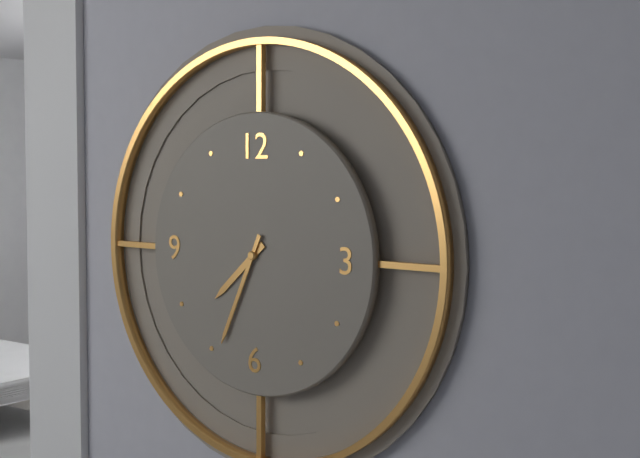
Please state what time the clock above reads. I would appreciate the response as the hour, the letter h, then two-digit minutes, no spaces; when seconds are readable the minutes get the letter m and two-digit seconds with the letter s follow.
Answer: 7h34
